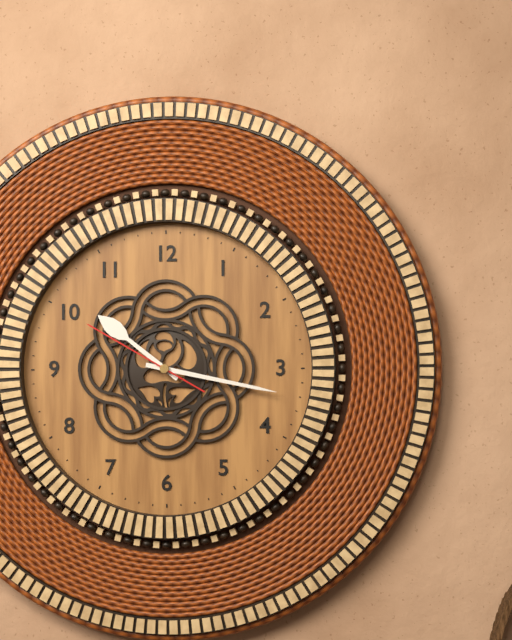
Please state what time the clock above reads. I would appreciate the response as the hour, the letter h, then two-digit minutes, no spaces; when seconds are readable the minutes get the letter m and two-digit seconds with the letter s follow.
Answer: 10h17m50s
